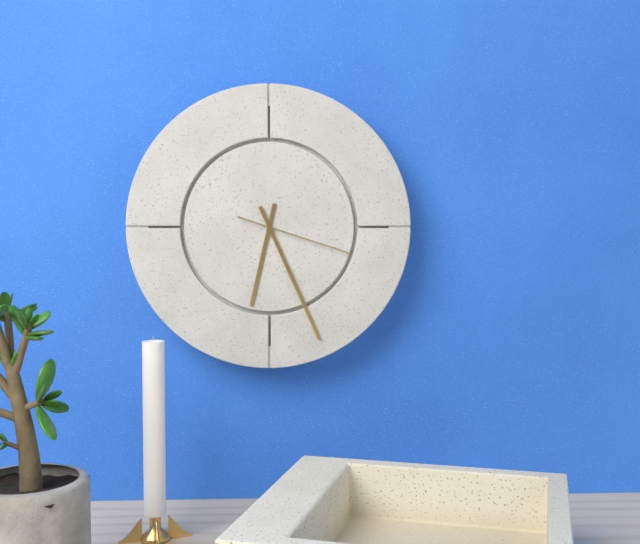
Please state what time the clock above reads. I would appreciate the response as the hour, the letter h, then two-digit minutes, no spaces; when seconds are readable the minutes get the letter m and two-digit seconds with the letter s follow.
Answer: 6h26m18s
